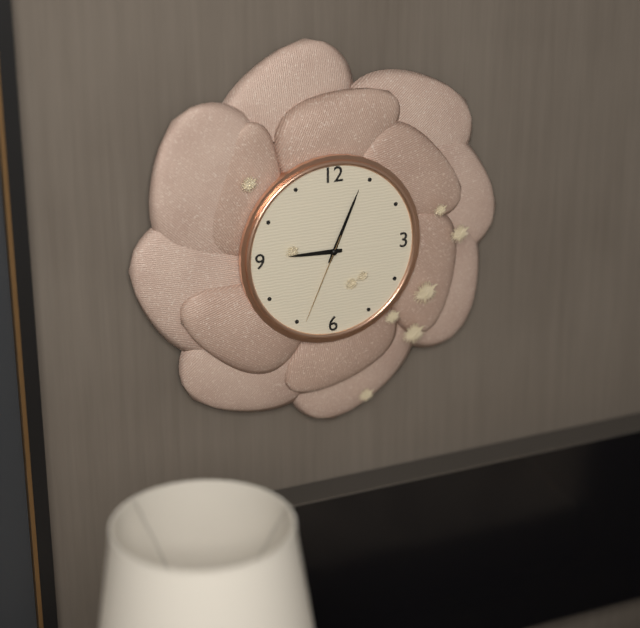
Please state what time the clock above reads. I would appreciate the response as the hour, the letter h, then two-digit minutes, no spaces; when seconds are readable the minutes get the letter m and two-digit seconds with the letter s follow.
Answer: 9h04m34s
